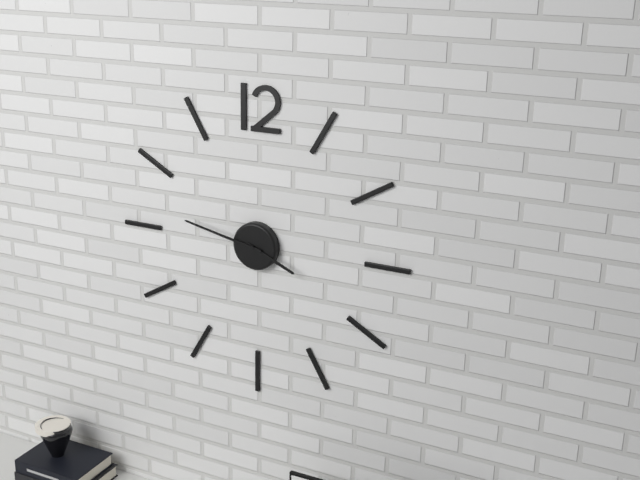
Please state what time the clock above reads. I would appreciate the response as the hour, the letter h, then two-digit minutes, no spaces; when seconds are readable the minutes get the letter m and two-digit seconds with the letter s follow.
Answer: 3h47
